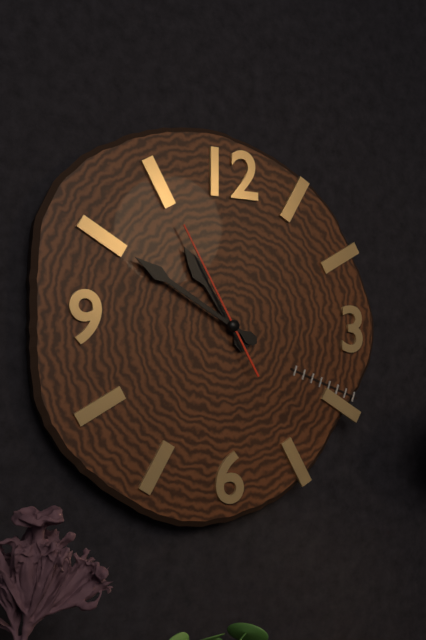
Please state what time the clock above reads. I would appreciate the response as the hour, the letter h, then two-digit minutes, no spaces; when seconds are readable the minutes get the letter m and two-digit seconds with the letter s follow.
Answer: 10h50m55s
